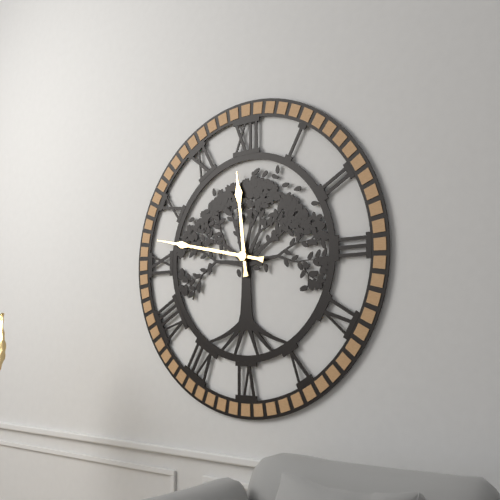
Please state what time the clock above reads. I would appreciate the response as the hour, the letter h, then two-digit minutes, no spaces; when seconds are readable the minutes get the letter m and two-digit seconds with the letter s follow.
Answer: 11h47
